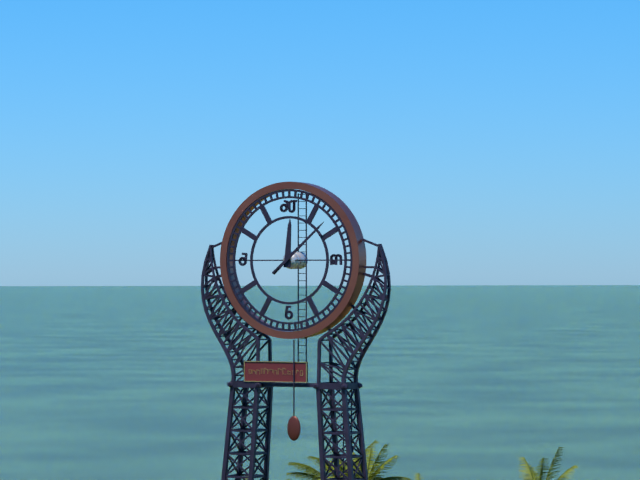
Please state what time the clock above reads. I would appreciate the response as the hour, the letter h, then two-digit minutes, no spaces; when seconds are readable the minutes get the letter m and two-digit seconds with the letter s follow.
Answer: 12h08
